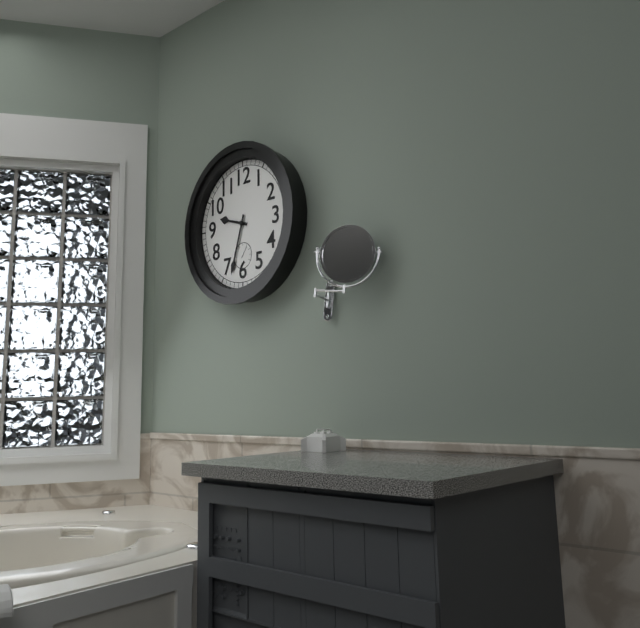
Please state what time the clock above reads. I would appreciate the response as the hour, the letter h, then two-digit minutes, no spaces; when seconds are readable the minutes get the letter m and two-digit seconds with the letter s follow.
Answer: 9h33
